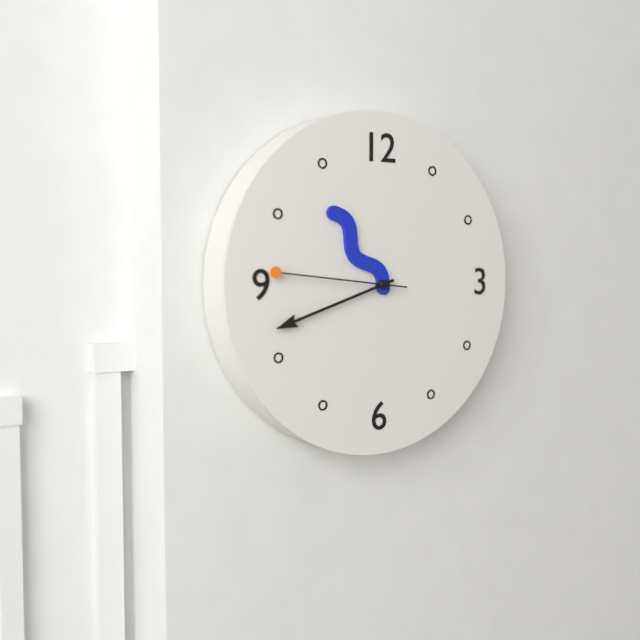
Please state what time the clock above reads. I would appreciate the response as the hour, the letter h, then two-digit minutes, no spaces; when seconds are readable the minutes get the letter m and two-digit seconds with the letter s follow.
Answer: 10h42m46s
